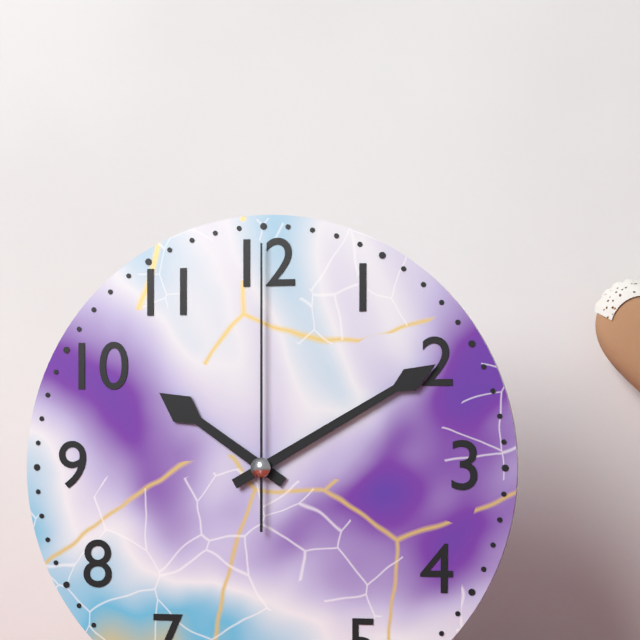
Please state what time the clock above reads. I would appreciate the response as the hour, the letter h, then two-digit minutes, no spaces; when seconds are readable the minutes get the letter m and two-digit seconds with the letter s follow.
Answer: 10h10m00s
